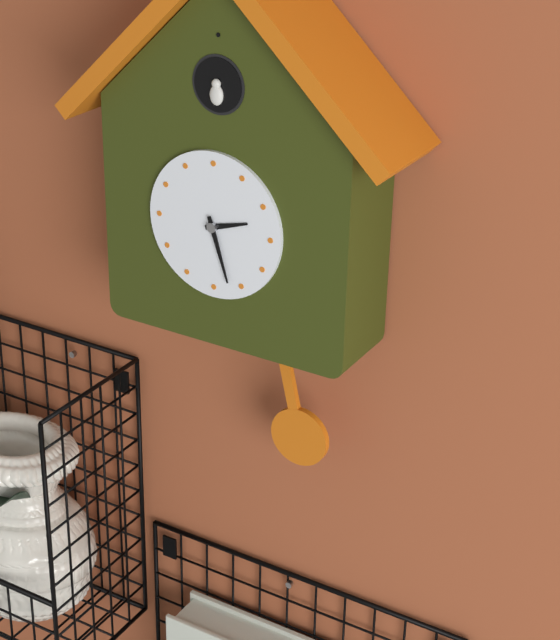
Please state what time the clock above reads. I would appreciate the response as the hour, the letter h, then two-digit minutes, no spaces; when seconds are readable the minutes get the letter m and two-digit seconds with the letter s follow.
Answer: 2h27
